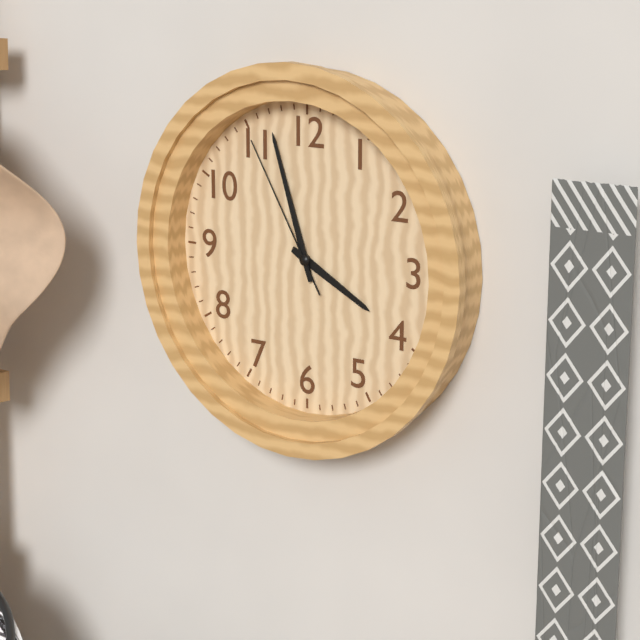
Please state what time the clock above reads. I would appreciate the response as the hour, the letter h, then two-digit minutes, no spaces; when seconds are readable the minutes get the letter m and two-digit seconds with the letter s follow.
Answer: 3h57m55s
